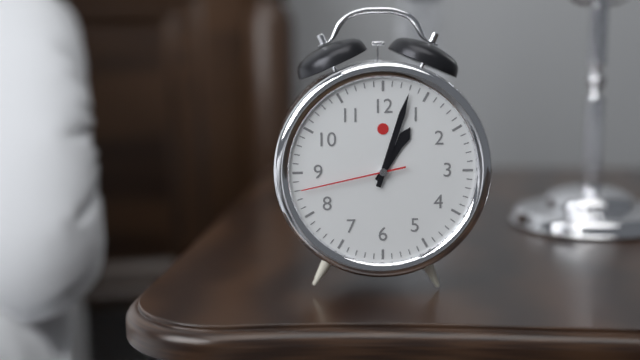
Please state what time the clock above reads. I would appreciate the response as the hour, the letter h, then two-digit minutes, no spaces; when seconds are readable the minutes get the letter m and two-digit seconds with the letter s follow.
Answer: 1h03m43s
